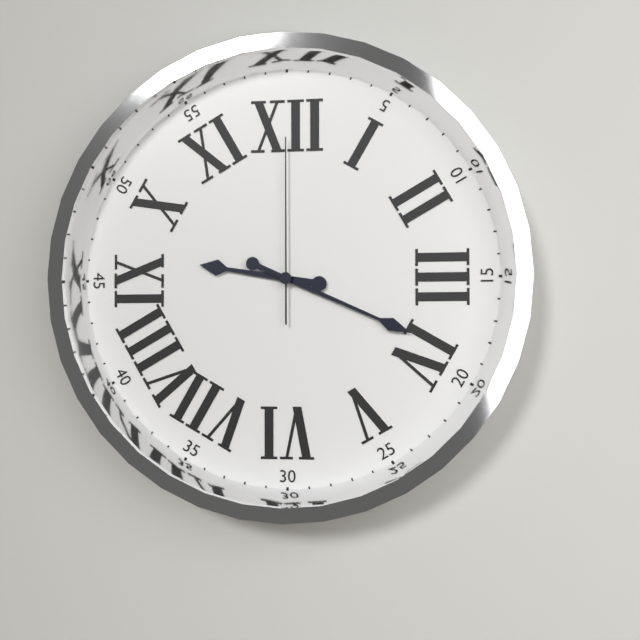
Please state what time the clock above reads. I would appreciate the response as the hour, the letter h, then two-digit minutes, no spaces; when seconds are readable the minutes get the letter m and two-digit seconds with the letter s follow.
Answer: 9h19m00s
